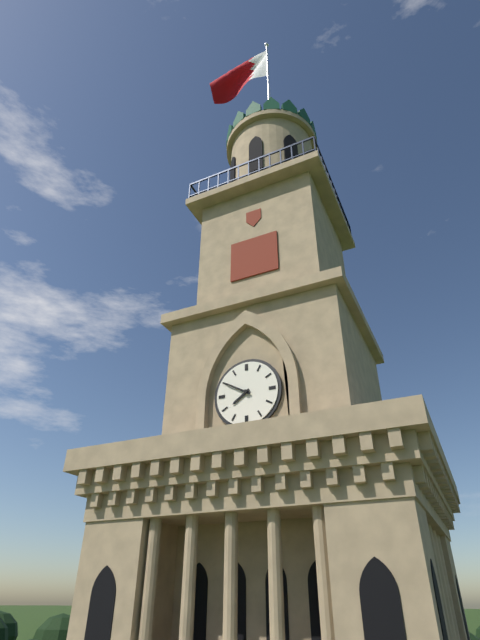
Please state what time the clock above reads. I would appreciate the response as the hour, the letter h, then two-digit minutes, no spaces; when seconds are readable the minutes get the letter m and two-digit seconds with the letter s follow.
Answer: 7h50
